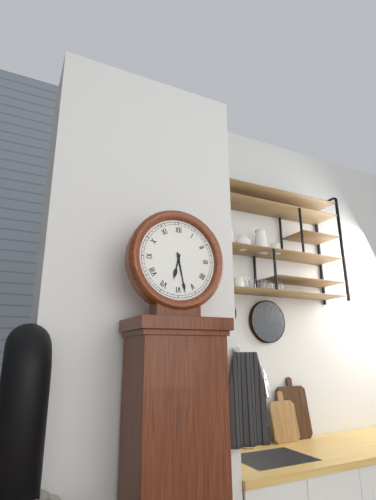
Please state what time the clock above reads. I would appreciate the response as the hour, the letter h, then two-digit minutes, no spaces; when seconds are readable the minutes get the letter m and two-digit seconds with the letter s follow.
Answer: 6h28
